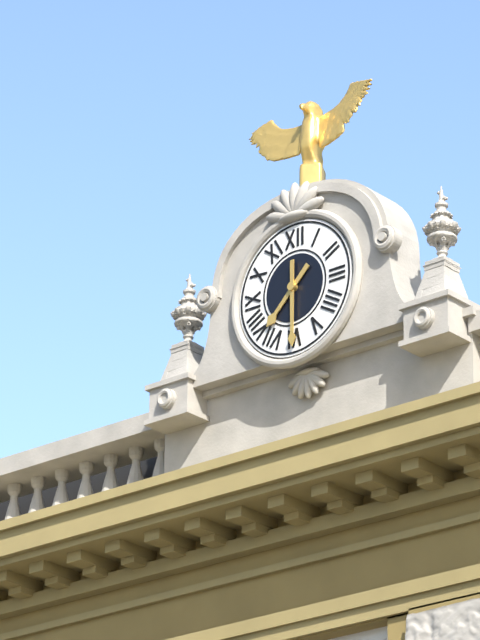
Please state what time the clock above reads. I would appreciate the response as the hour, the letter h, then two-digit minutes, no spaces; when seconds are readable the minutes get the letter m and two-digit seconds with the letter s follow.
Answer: 7h30
